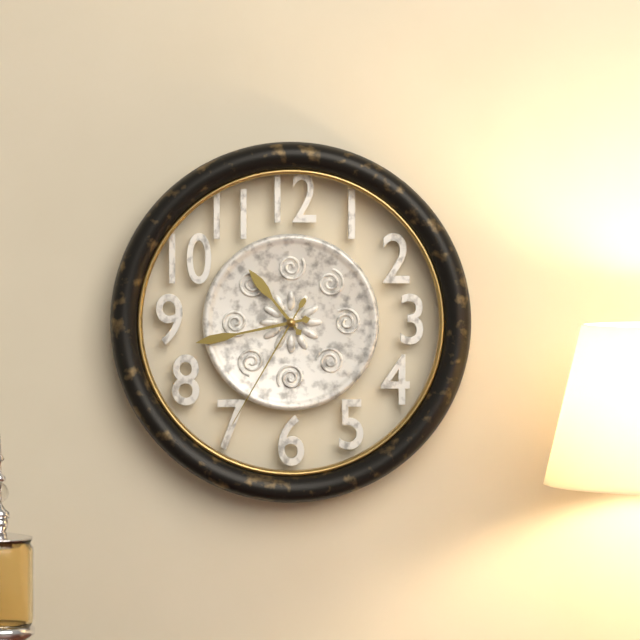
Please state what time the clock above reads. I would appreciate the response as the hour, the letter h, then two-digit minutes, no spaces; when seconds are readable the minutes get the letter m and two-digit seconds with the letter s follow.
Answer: 10h43m35s
